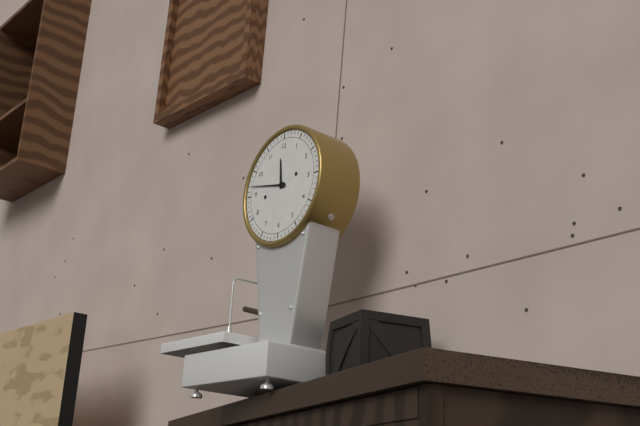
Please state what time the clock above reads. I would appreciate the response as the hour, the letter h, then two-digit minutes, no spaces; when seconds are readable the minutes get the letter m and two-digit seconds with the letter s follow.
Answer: 11h47
